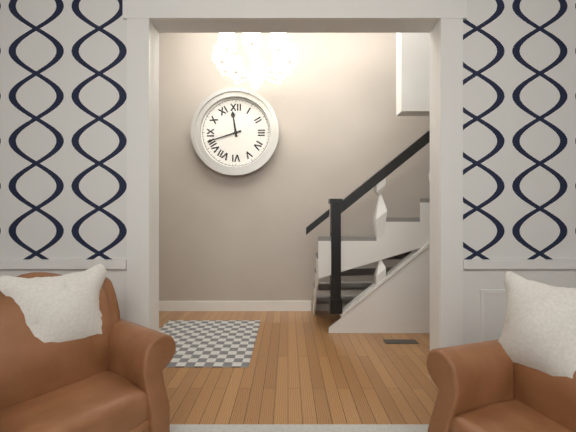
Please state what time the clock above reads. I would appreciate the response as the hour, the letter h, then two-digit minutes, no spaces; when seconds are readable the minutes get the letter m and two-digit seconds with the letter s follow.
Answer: 11h42
